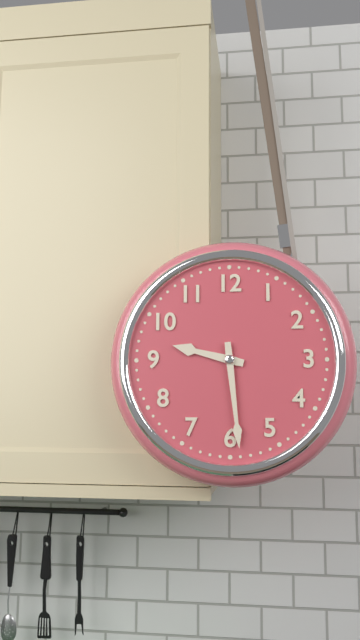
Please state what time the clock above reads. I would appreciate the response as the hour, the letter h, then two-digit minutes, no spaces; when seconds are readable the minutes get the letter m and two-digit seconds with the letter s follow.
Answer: 9h29
